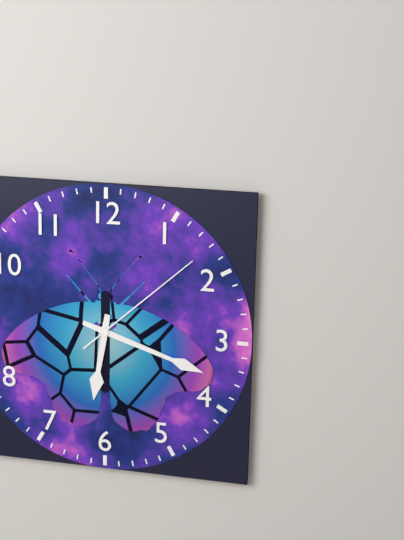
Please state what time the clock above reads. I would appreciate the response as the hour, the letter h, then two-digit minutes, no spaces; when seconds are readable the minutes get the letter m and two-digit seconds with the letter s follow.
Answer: 6h18m08s
